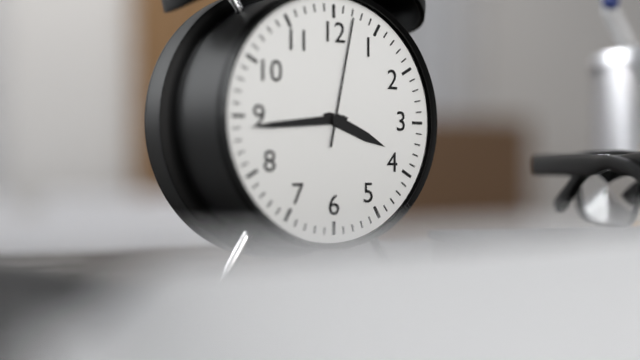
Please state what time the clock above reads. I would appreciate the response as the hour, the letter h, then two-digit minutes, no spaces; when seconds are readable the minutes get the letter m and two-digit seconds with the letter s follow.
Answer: 3h44m02s
